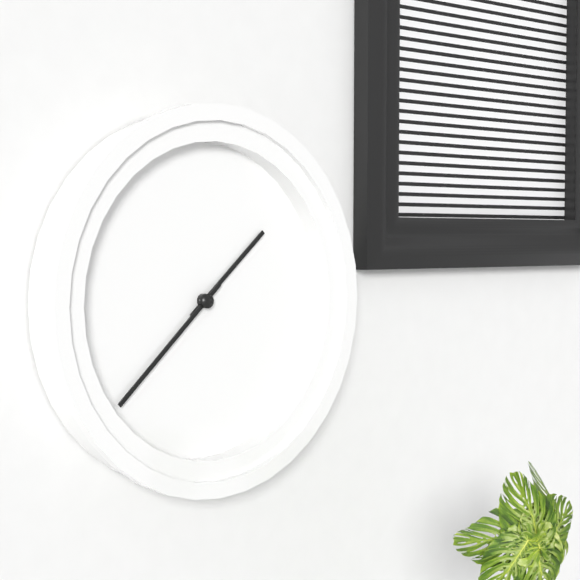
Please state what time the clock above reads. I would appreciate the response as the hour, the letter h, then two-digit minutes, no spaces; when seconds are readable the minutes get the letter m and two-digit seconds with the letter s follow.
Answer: 1h38
